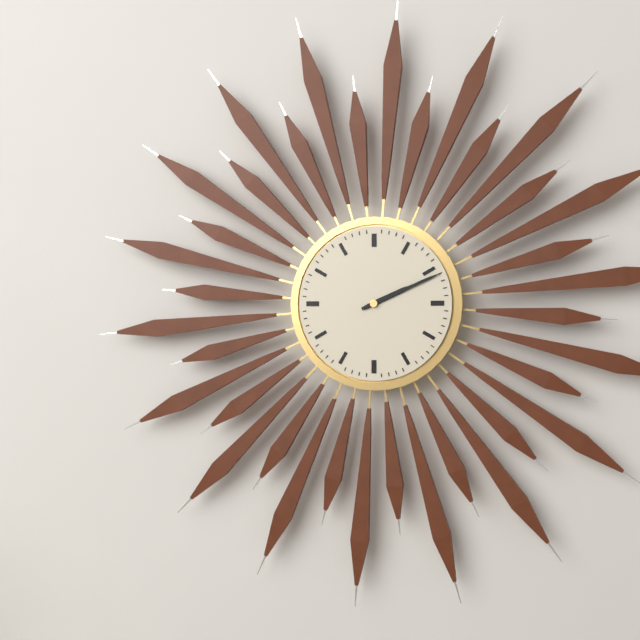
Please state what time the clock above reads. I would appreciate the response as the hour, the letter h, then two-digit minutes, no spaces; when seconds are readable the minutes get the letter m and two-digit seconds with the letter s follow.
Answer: 2h11
